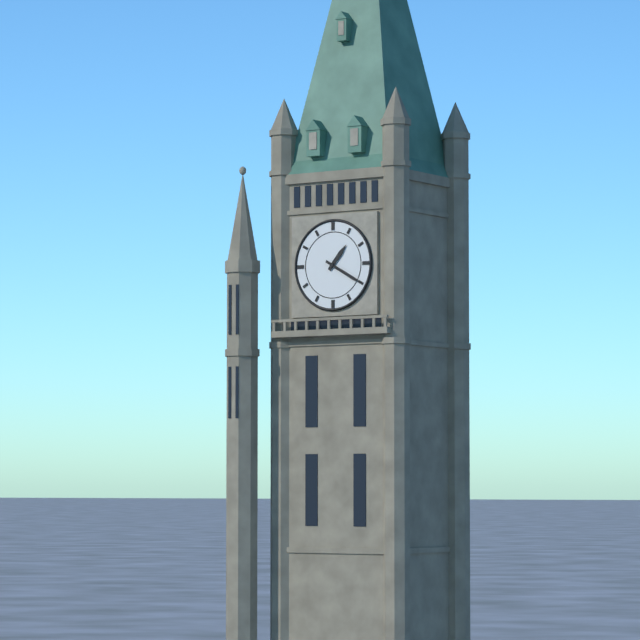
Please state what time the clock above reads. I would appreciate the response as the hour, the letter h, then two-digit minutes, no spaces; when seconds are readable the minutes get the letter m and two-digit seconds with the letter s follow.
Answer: 1h20
